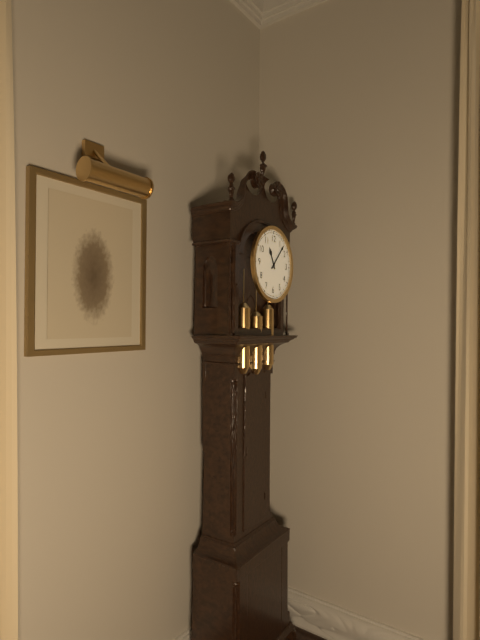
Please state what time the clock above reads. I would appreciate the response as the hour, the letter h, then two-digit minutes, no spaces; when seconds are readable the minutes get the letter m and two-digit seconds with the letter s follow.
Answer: 11h07
